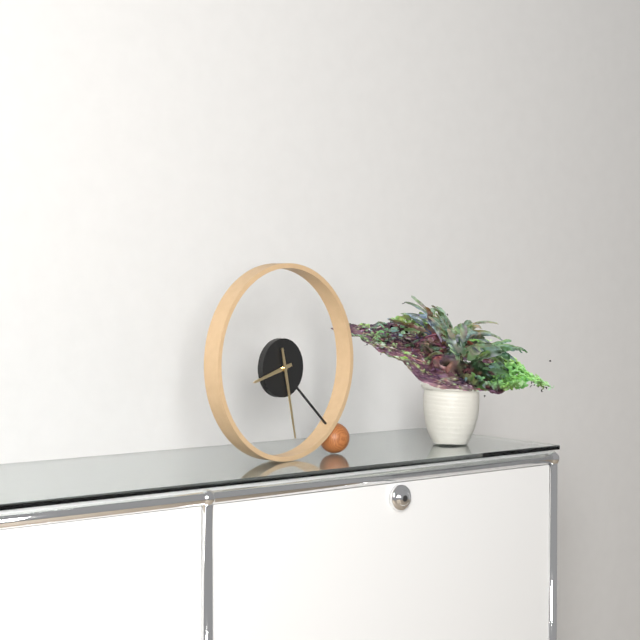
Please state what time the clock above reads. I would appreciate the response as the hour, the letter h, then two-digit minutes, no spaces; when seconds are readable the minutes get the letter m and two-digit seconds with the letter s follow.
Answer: 8h28
